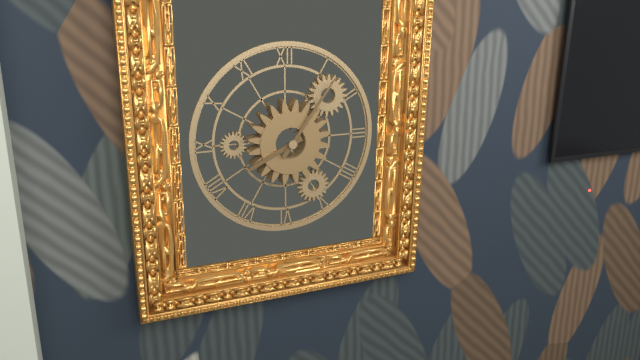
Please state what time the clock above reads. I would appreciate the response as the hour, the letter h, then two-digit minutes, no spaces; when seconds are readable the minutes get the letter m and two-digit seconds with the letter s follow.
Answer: 8h06
